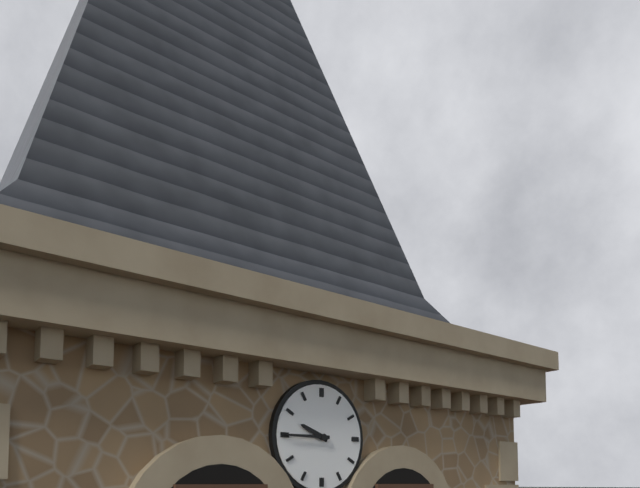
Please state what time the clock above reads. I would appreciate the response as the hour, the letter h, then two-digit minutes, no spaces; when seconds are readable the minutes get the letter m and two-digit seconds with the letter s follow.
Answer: 9h45
